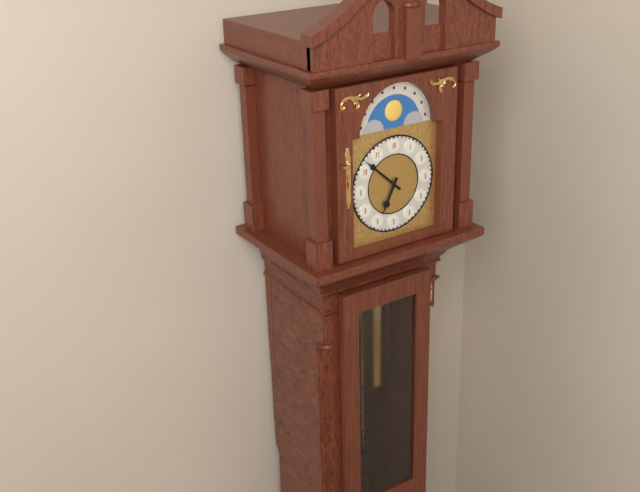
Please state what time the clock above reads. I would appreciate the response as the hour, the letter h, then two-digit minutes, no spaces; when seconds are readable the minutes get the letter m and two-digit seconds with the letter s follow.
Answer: 6h52
